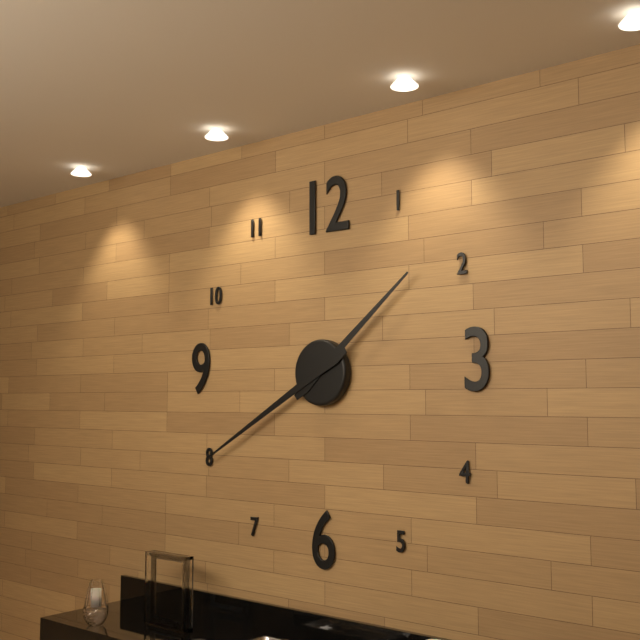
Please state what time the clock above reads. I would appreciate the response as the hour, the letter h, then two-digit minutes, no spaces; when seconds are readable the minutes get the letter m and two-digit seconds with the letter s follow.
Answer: 1h40
